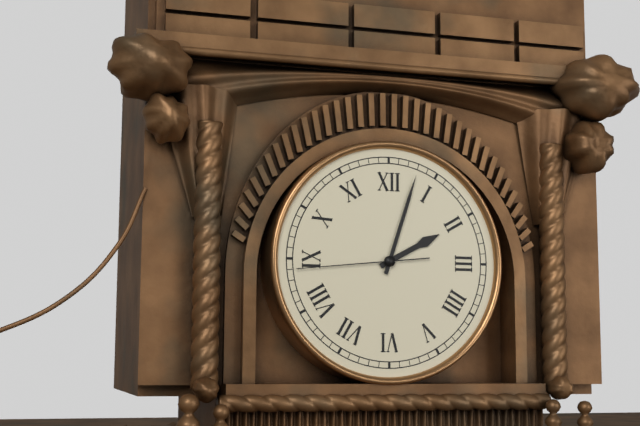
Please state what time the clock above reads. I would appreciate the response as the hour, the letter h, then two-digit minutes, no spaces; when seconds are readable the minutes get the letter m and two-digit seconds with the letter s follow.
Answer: 2h03m44s
